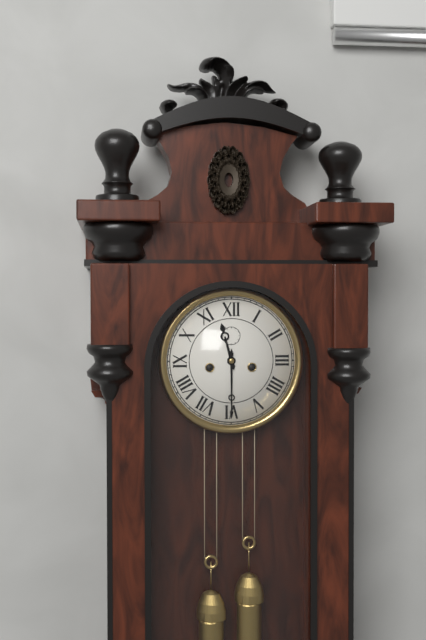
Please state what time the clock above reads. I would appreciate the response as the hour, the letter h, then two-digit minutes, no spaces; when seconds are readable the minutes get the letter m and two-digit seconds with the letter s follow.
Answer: 11h30
